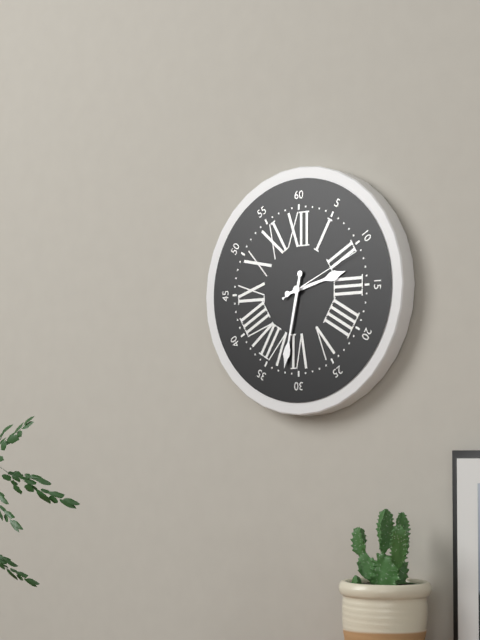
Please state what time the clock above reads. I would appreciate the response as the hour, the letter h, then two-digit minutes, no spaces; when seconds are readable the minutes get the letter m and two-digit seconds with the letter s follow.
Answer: 2h32m11s
